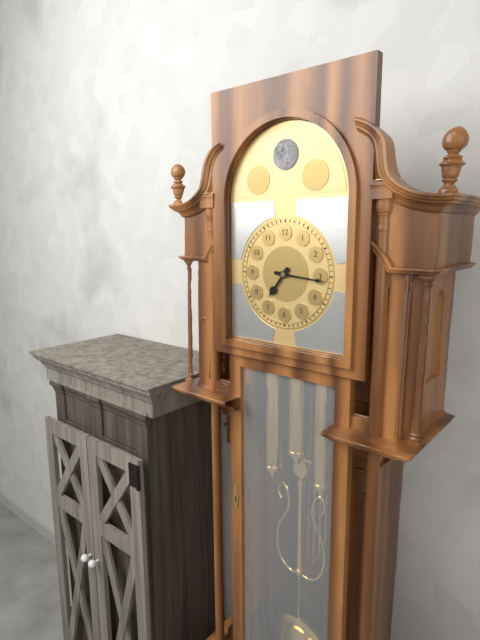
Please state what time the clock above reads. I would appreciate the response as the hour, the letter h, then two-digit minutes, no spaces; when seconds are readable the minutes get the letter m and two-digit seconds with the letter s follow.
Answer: 7h16
